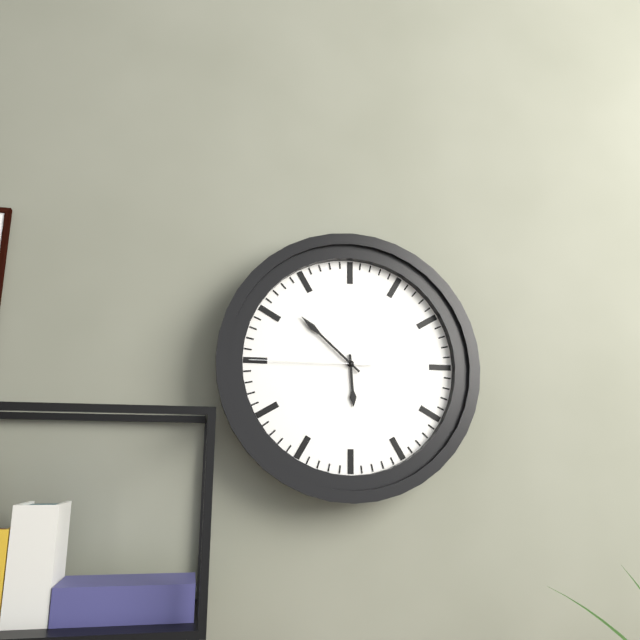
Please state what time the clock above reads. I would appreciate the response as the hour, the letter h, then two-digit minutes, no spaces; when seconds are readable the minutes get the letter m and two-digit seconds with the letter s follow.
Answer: 5h52m45s
